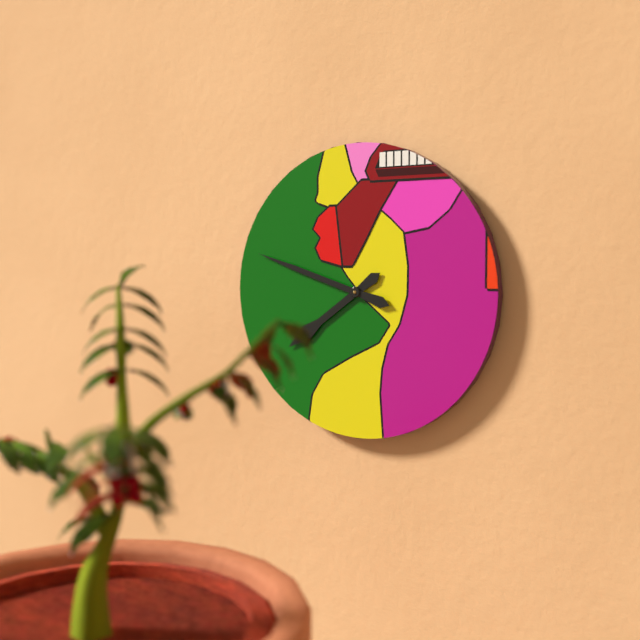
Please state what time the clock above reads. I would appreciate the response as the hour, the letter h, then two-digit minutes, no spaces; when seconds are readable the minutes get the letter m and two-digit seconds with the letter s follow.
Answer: 7h48
